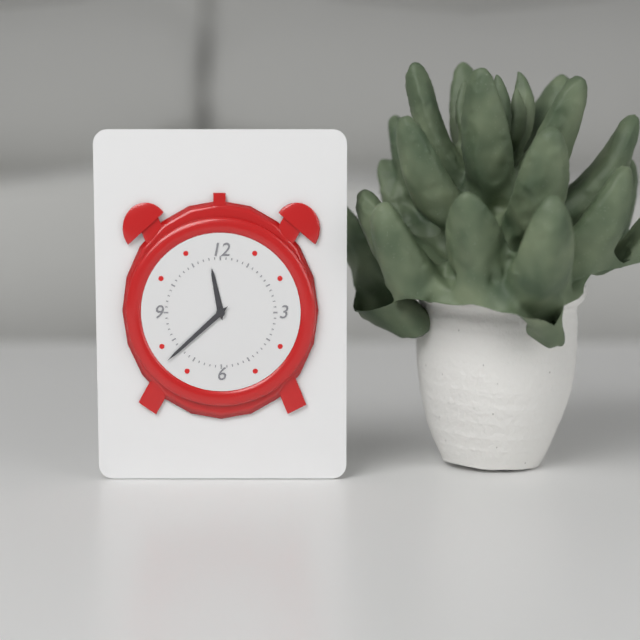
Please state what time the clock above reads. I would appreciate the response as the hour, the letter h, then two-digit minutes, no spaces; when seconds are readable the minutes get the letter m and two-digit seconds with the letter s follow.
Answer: 11h38
